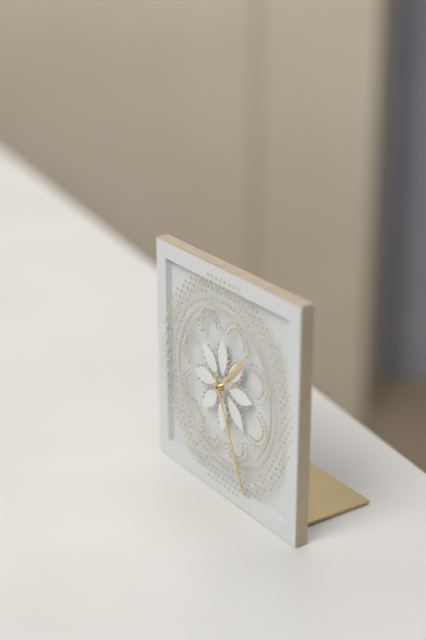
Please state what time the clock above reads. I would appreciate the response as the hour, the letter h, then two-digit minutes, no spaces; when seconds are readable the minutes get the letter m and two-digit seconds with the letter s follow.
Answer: 1h26
